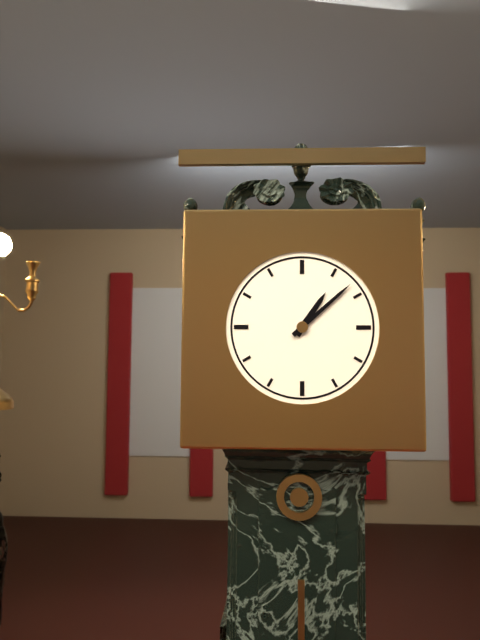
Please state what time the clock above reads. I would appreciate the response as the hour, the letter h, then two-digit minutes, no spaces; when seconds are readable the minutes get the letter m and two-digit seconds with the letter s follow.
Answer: 1h08
